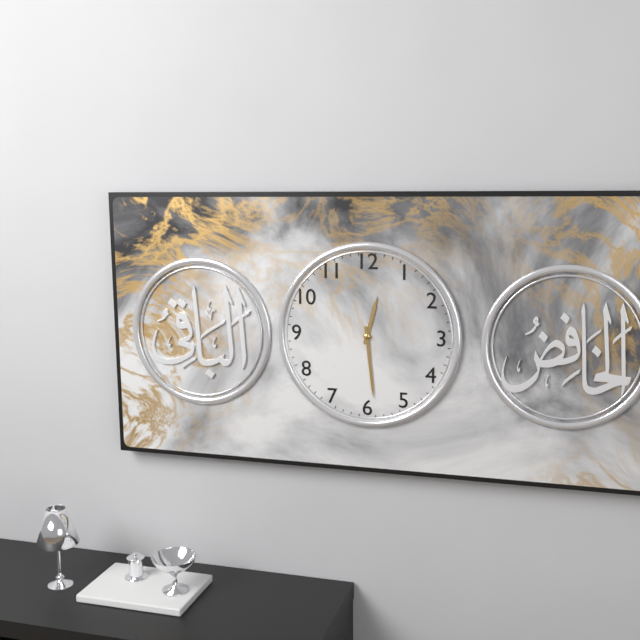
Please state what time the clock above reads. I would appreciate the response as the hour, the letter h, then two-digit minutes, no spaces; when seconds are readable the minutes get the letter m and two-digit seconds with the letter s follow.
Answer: 12h29
